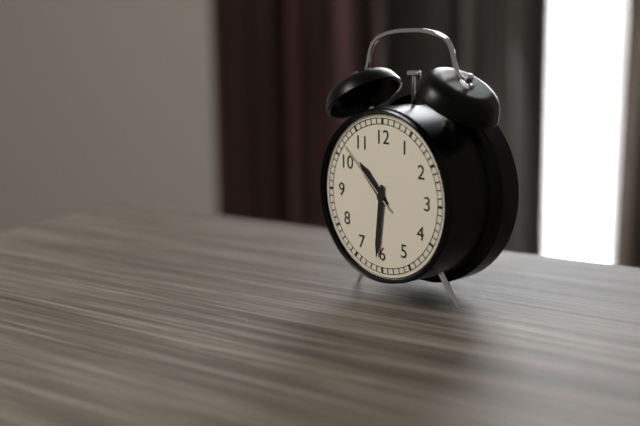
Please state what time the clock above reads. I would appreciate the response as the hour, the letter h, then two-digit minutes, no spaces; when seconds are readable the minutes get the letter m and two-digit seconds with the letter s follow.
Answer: 10h31m52s
